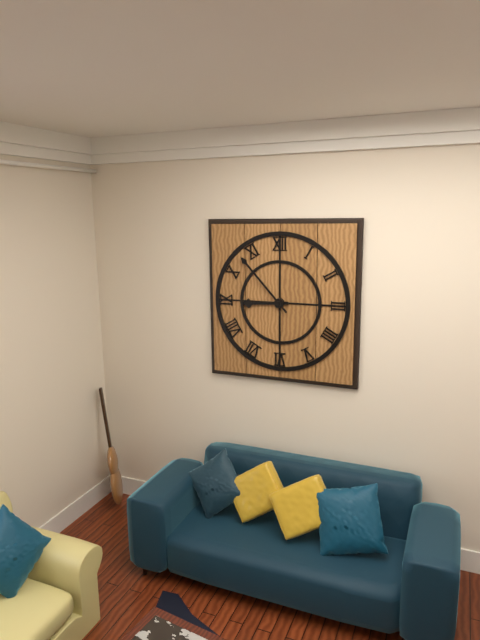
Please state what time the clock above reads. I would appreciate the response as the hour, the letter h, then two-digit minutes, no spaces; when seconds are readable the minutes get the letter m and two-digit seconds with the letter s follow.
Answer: 8h53
